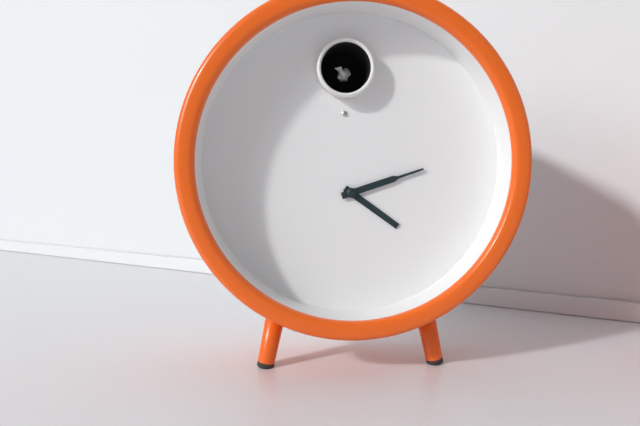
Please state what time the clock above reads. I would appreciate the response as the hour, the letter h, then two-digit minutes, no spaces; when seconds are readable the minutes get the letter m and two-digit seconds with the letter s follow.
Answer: 4h12
